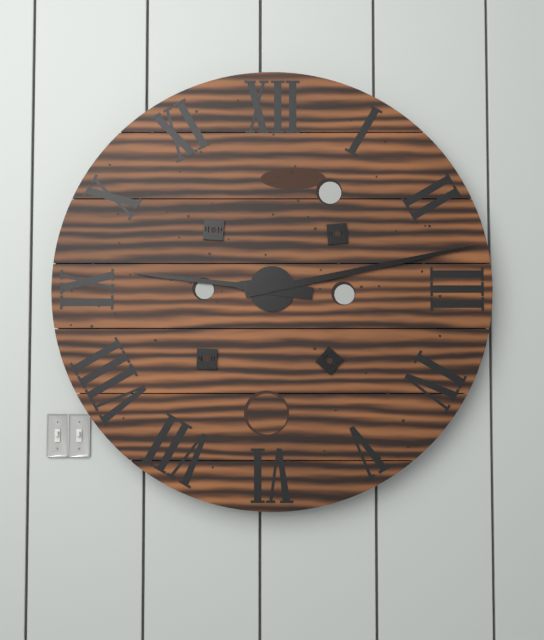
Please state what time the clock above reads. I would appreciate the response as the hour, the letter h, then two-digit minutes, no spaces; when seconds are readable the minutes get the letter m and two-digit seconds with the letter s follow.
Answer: 9h13
